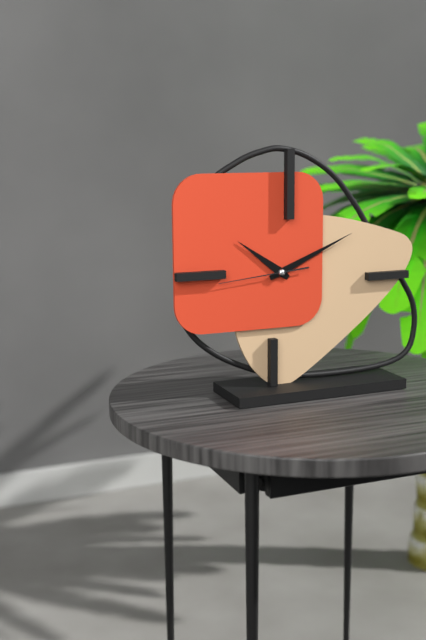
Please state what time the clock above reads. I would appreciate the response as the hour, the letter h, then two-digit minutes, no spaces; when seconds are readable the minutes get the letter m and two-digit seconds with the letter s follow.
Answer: 10h11m44s
